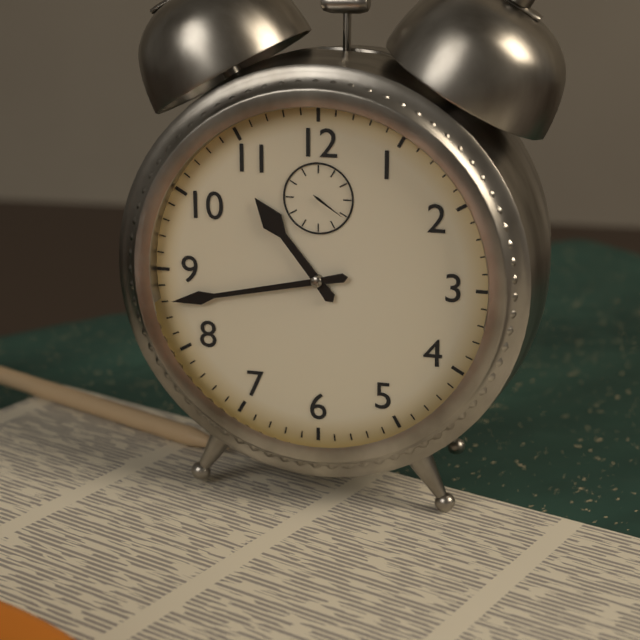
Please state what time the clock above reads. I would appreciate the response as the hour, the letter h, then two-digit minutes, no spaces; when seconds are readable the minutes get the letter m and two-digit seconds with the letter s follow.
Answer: 10h43
